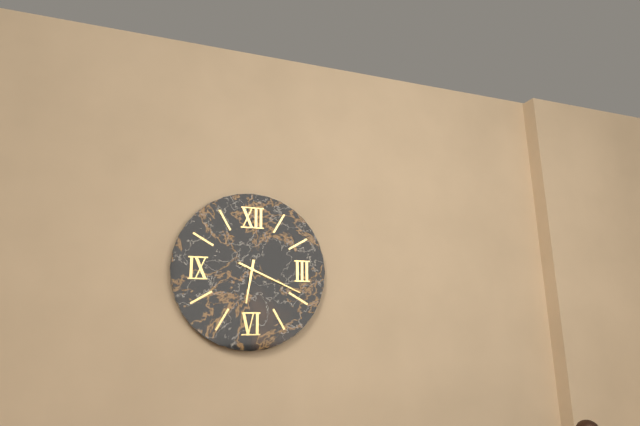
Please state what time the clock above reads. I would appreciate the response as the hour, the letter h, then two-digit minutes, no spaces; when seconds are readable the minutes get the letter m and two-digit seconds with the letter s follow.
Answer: 6h19
